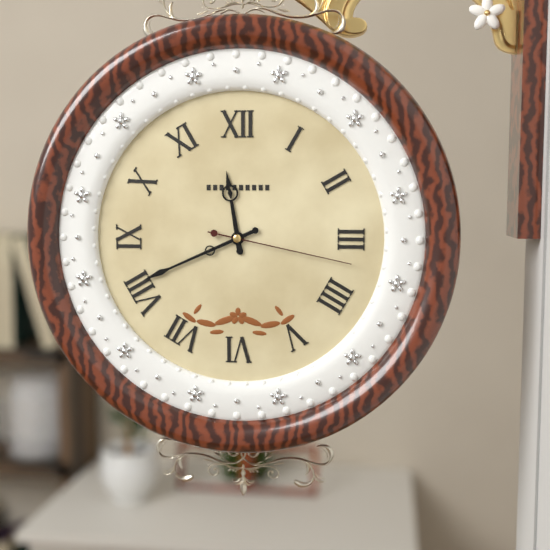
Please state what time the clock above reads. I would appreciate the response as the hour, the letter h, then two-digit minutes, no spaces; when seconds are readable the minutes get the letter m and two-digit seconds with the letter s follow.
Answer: 11h41m17s
